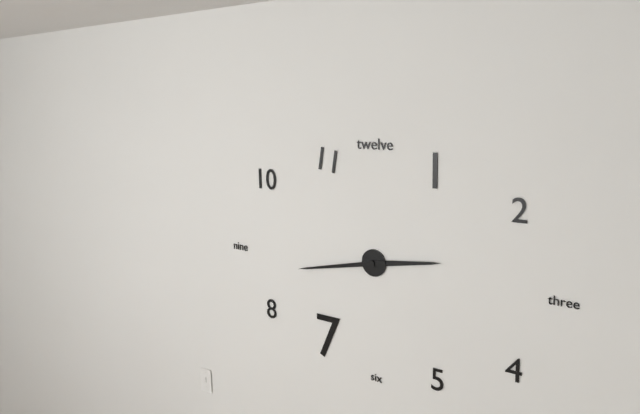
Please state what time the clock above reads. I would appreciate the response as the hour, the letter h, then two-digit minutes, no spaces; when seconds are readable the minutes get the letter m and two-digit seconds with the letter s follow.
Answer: 2h43
